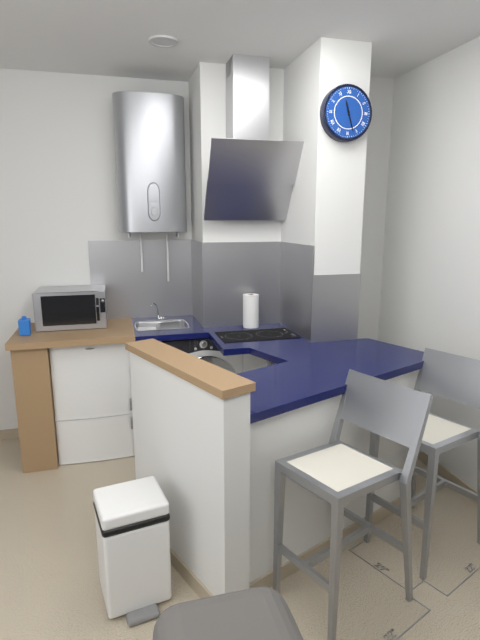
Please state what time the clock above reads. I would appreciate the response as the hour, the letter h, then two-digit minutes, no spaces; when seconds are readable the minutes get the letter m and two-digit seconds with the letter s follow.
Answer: 11h27
